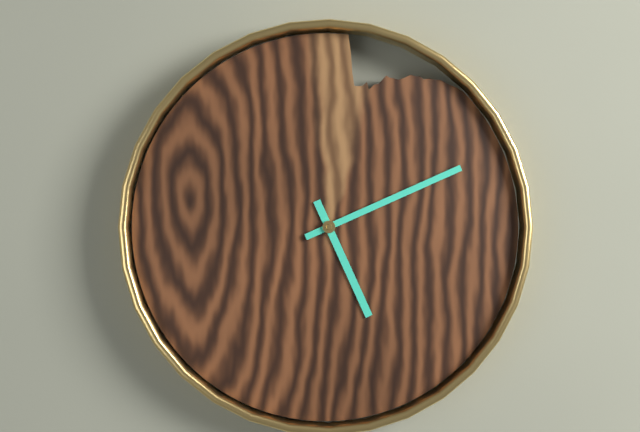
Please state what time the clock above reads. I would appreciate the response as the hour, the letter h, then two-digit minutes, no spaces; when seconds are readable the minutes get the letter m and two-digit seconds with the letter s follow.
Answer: 5h11
